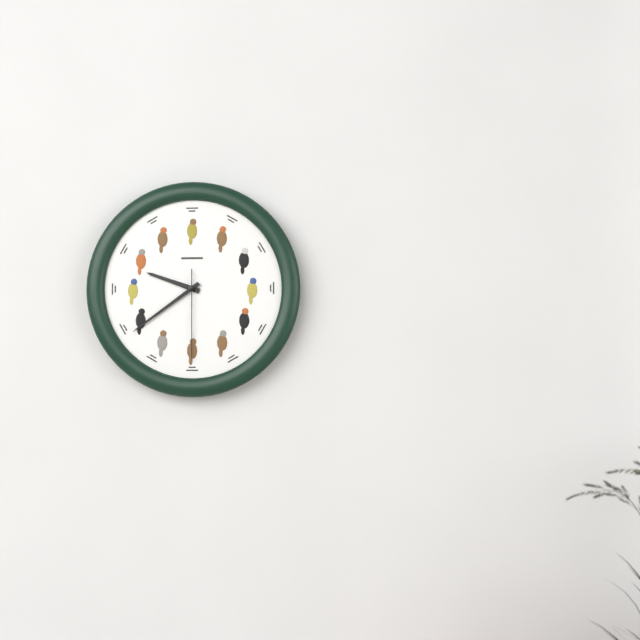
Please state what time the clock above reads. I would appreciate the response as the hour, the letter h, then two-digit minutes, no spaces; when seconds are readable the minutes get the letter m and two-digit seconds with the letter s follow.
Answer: 9h39m30s
